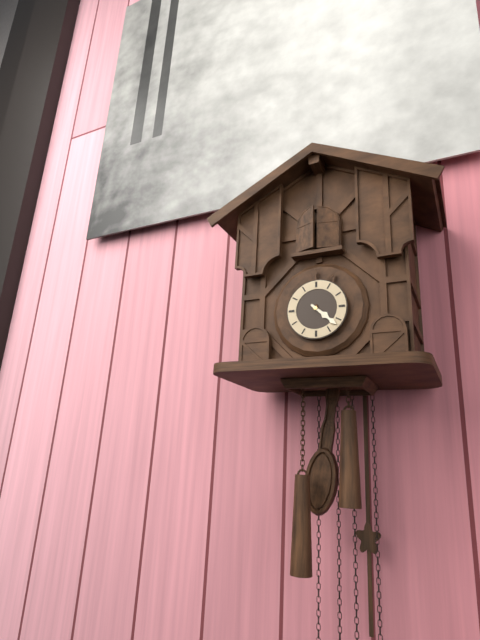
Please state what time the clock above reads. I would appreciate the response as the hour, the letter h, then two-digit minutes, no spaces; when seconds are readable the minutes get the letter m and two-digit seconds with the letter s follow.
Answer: 4h22
